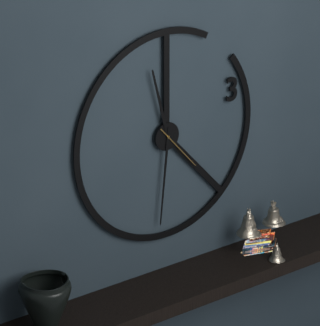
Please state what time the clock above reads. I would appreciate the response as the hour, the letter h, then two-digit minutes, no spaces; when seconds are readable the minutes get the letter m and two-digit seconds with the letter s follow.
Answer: 11h31m23s
